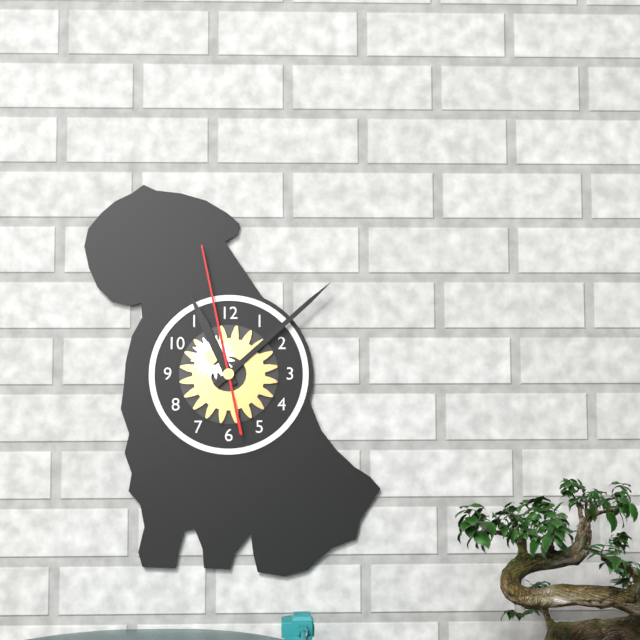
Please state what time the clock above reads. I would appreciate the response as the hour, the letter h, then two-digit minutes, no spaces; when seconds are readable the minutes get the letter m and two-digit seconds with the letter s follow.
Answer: 11h08m58s
